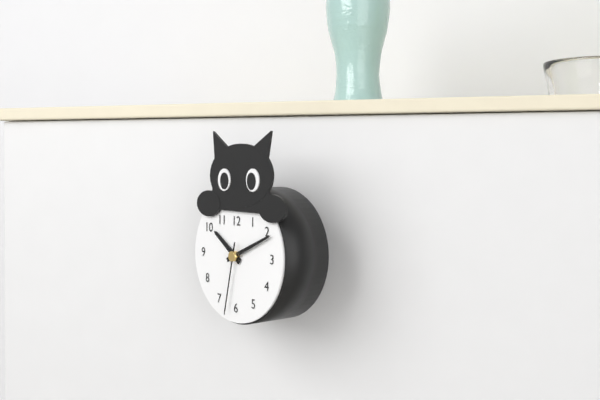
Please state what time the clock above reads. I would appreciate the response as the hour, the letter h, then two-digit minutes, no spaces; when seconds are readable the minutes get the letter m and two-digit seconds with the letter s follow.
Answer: 10h11m32s
